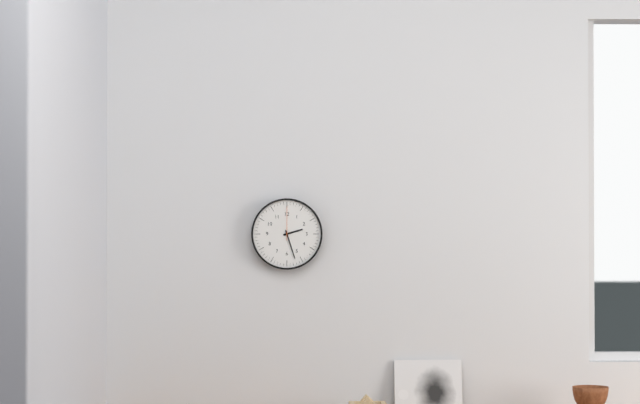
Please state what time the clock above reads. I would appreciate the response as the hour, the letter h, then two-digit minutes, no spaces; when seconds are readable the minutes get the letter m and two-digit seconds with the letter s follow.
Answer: 2h27
